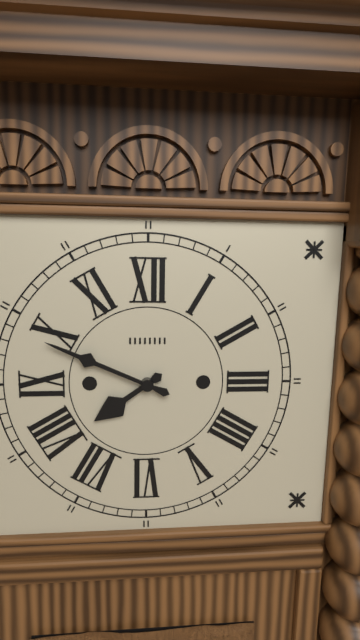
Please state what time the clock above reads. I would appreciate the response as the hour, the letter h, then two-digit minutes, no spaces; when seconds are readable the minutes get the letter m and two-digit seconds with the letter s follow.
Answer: 7h49
